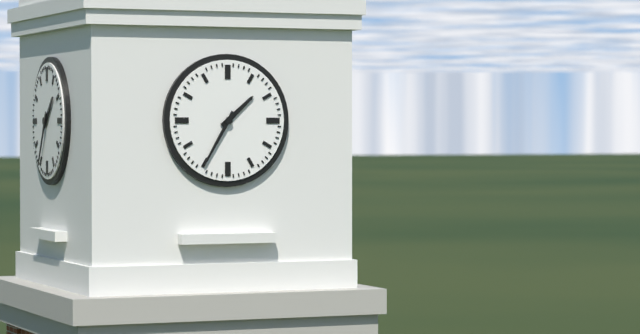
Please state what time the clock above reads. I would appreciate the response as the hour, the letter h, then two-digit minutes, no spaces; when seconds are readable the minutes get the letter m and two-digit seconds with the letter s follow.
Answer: 1h35
